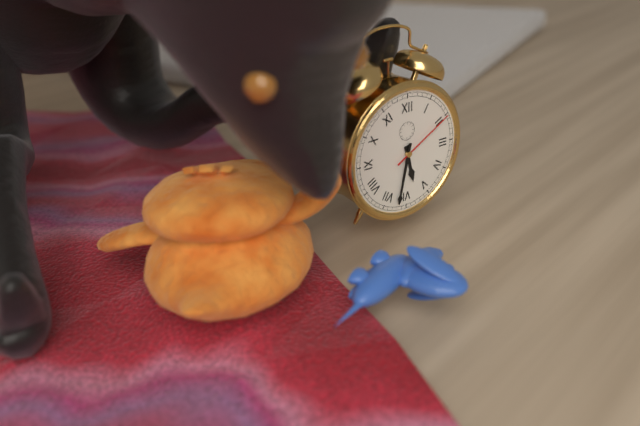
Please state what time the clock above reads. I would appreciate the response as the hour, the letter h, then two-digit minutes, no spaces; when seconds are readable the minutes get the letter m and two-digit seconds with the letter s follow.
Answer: 5h32m10s
